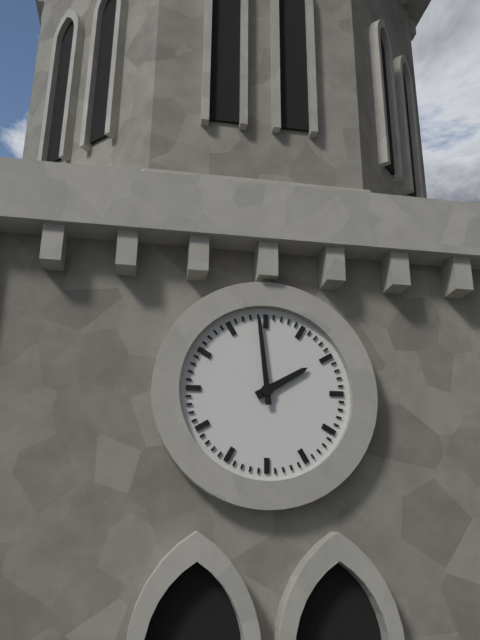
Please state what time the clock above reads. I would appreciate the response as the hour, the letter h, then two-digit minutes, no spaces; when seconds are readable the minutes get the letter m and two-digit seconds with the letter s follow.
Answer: 1h59
